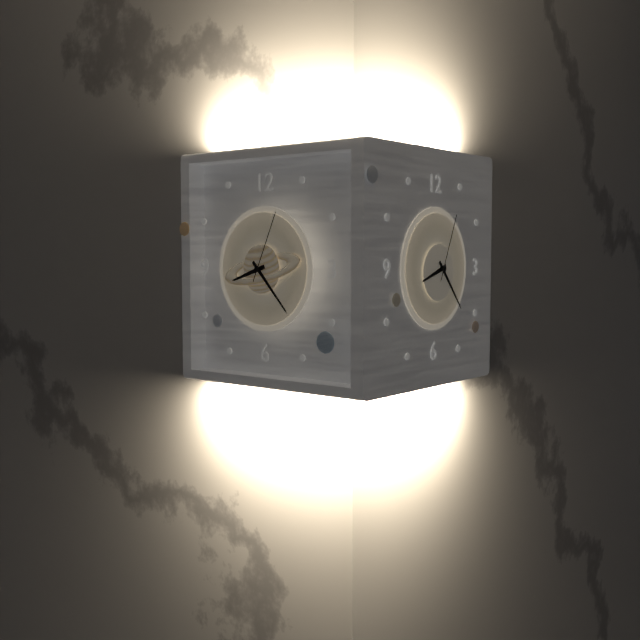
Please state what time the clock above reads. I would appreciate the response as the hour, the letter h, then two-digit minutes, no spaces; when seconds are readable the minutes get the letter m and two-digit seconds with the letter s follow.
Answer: 8h23m04s
